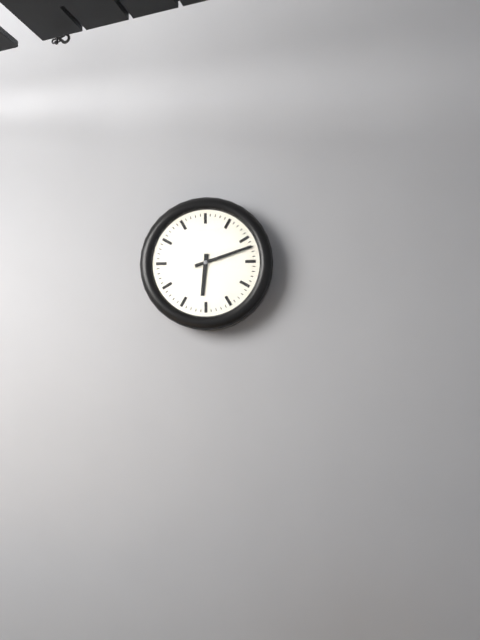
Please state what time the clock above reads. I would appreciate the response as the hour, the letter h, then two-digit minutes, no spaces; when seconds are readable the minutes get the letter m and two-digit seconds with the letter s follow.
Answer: 6h12
